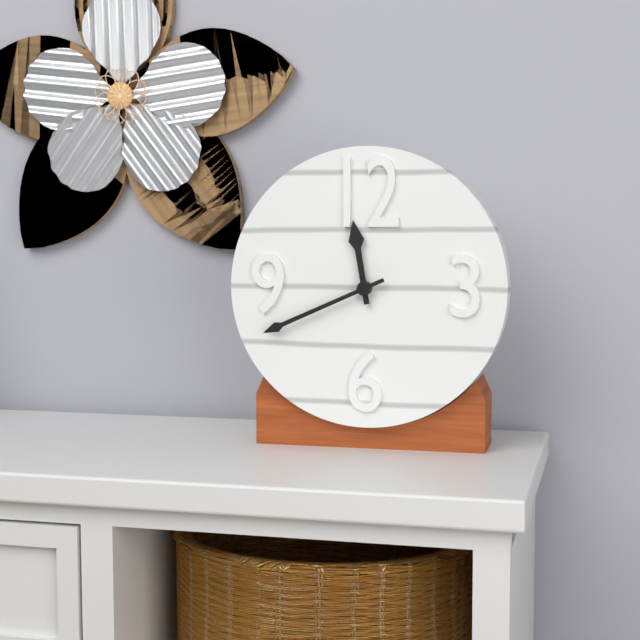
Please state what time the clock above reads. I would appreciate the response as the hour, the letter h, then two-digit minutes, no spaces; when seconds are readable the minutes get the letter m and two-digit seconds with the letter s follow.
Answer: 11h41
